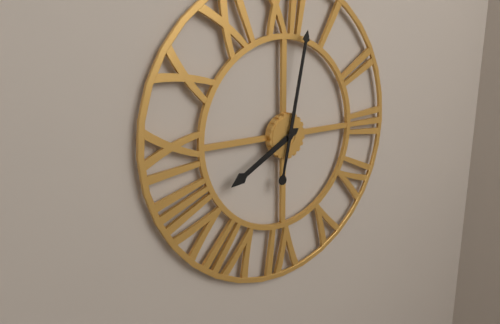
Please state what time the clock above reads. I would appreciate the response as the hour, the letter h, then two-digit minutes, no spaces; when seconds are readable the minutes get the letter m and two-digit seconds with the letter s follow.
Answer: 8h02
